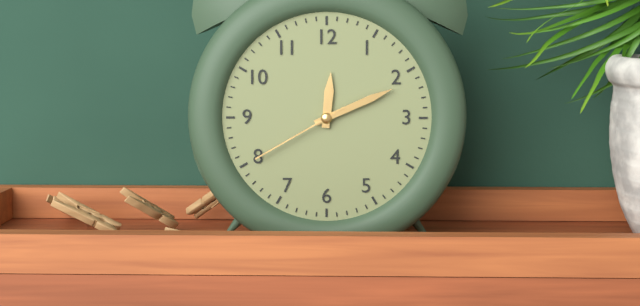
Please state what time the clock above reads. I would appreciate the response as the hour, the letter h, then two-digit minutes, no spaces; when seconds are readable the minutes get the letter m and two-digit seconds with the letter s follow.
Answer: 12h11m40s
